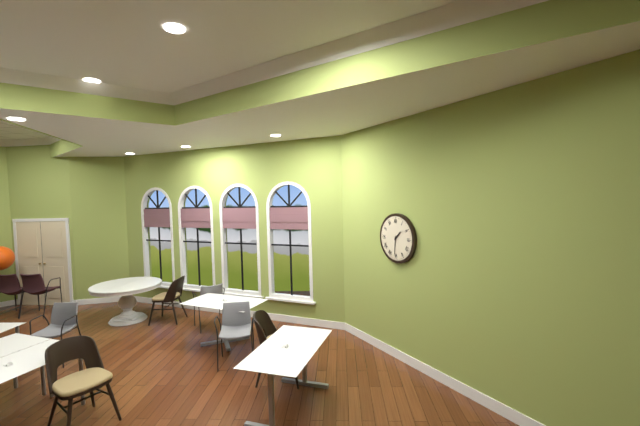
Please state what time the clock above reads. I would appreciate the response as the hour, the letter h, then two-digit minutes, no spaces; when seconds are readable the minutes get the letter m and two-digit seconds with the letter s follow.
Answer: 1h31
